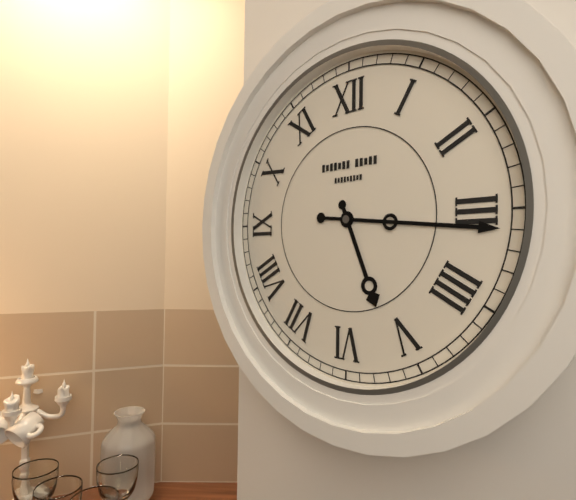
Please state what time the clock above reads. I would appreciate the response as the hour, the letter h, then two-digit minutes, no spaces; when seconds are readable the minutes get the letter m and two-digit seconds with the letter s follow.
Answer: 5h16
